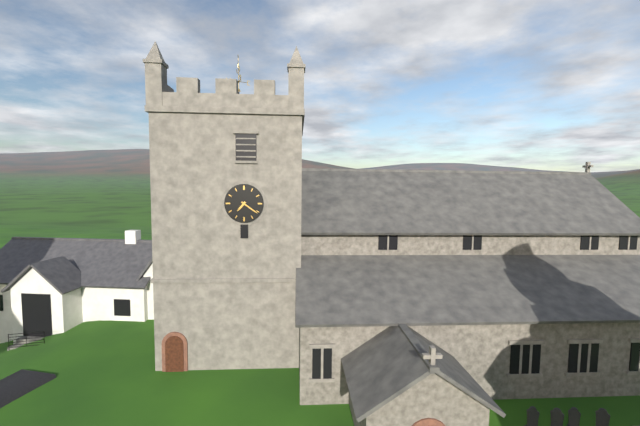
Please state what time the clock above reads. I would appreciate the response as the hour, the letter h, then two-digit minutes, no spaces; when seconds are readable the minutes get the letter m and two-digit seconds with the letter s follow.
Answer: 7h21
